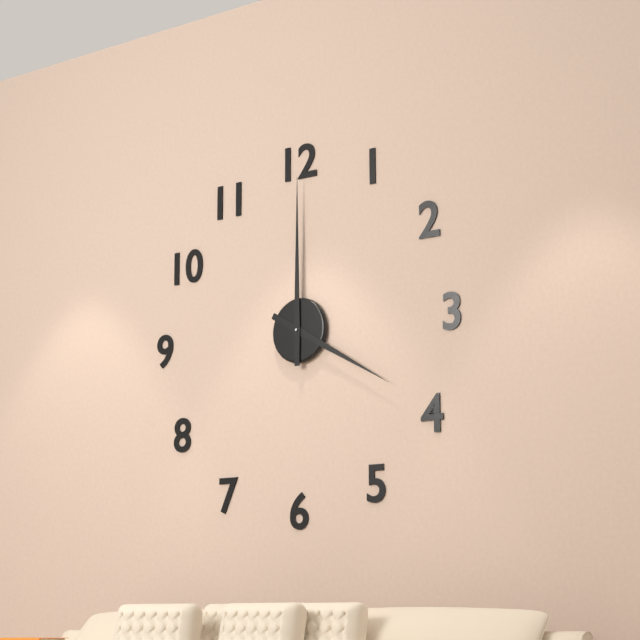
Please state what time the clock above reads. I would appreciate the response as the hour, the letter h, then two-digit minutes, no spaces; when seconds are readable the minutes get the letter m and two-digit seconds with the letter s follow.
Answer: 4h00
